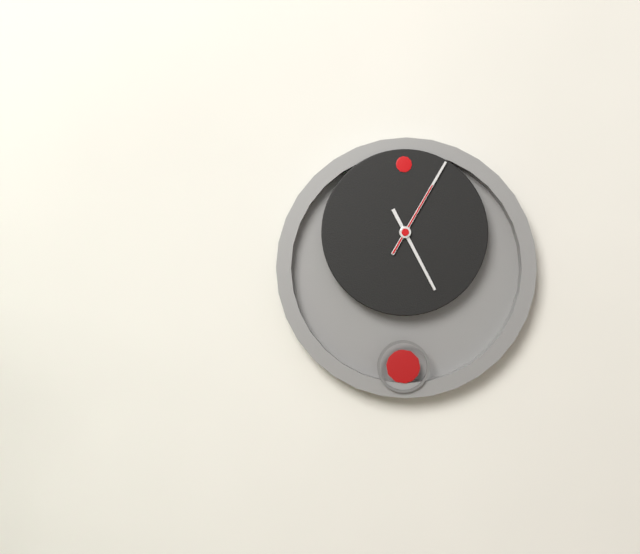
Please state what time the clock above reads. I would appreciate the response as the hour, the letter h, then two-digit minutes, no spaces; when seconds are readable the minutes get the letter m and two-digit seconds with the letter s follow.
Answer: 5h05m05s
